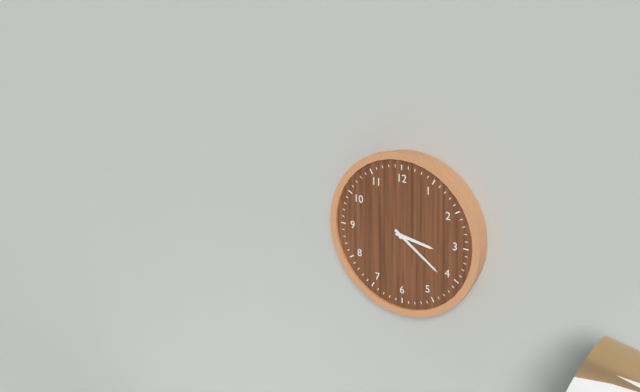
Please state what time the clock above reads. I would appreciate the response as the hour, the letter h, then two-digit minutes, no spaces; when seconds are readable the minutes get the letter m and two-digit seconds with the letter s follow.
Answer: 3h21
